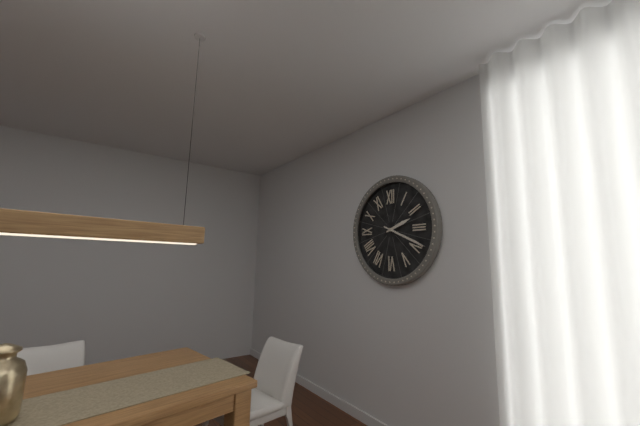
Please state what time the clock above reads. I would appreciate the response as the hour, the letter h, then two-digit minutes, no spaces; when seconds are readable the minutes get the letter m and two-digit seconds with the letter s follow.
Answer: 2h19
